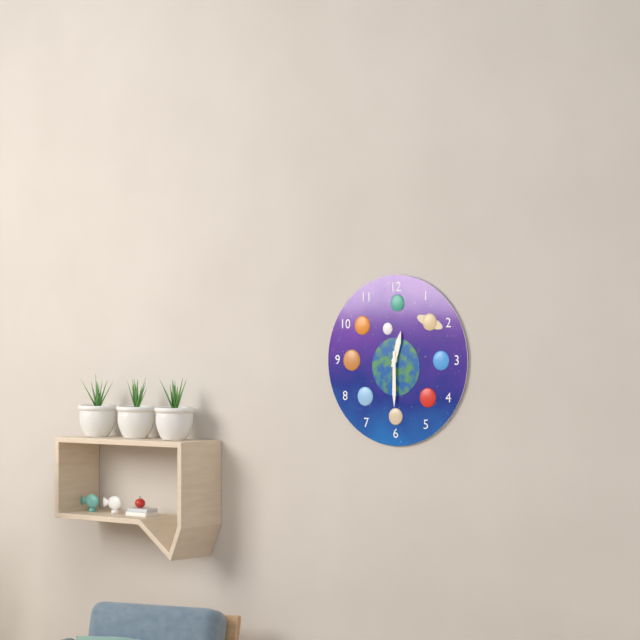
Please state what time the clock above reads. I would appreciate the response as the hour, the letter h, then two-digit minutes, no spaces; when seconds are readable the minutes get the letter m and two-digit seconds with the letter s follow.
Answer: 12h30
